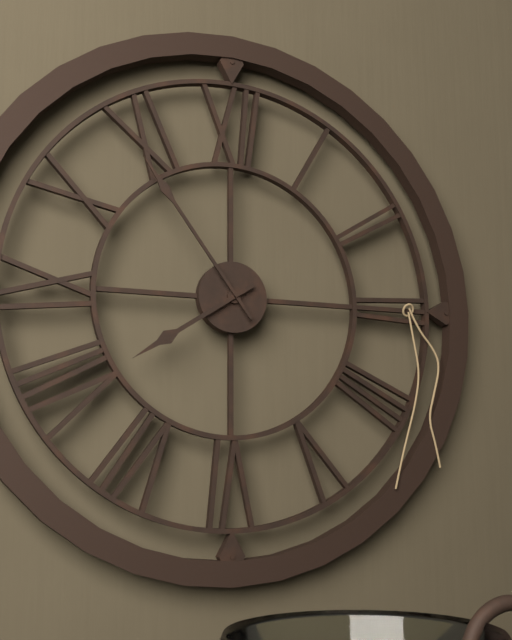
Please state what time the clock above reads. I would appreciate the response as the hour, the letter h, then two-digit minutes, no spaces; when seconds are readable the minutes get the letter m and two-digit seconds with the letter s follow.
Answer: 7h54
